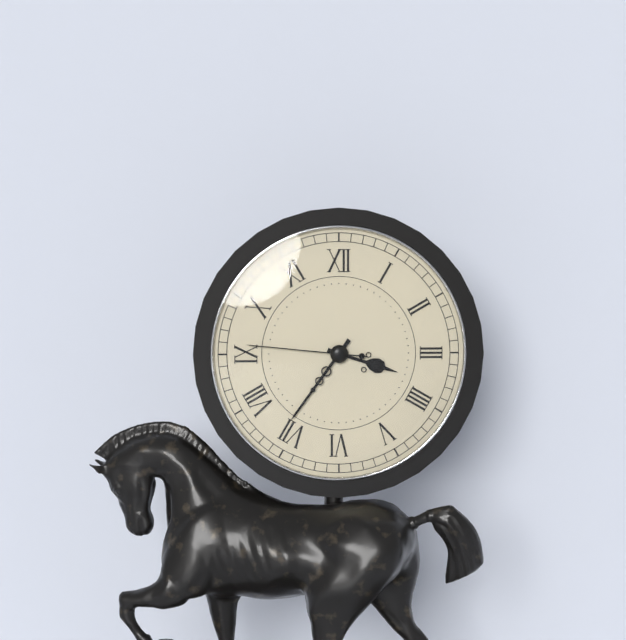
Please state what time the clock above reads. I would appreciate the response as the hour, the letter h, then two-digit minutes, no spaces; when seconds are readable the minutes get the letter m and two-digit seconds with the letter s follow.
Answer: 3h36m46s
